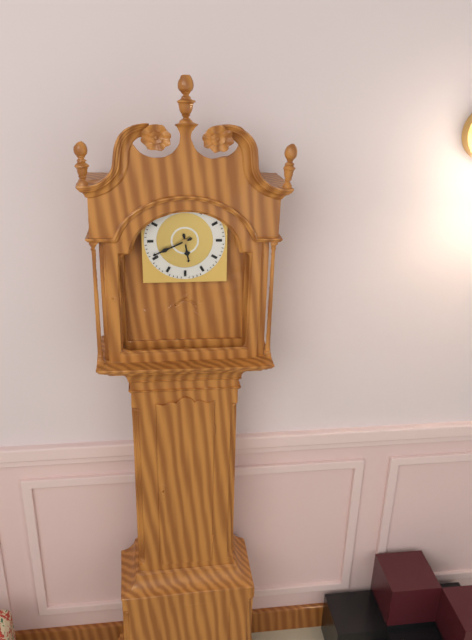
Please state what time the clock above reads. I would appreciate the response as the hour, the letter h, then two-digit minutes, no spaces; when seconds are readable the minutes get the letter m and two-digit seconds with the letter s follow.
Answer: 5h41
